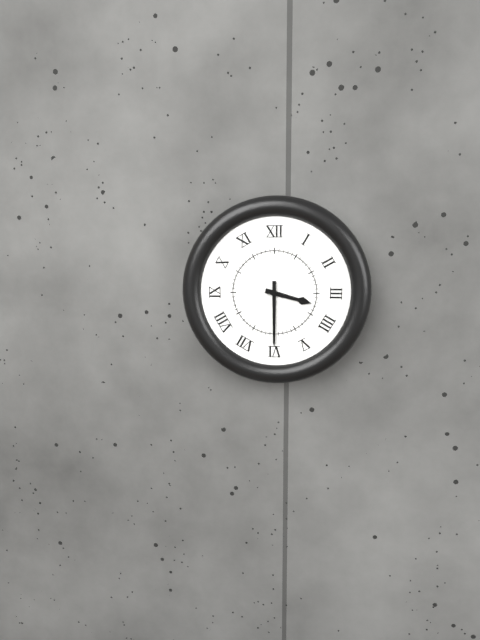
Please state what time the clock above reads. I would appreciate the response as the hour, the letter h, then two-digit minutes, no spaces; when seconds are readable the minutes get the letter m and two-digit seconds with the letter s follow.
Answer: 3h30
